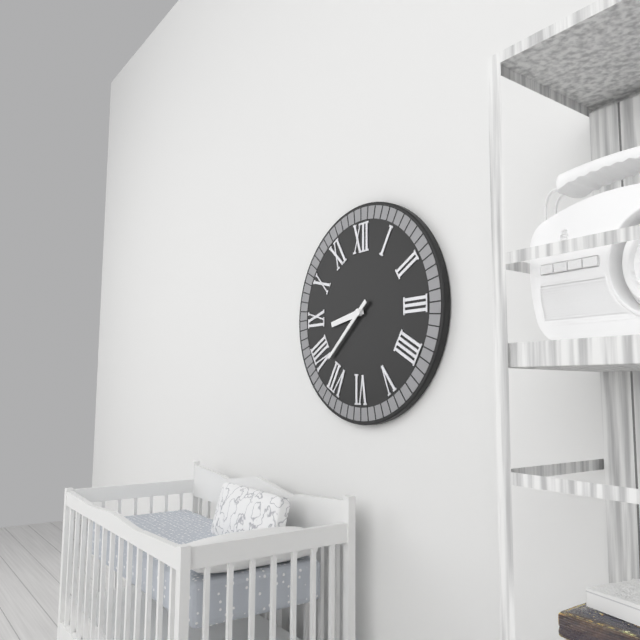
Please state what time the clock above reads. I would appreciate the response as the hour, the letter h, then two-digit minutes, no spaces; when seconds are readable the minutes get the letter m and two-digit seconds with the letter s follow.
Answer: 8h38
